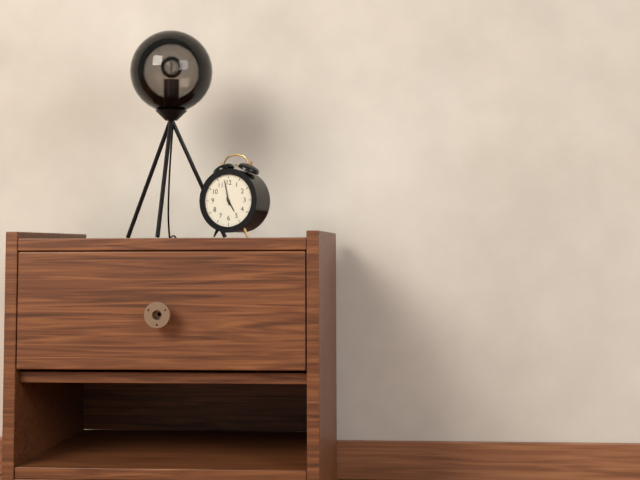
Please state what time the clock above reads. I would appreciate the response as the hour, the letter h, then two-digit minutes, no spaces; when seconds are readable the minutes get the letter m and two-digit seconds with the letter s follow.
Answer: 4h58
